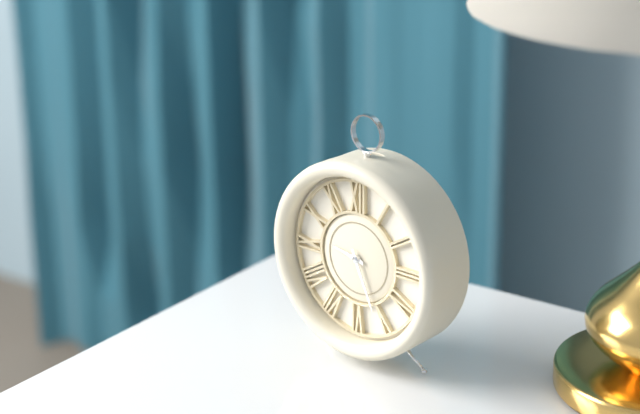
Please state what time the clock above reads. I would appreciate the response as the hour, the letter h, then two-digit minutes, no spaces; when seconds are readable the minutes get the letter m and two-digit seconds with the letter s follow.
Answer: 9h26
